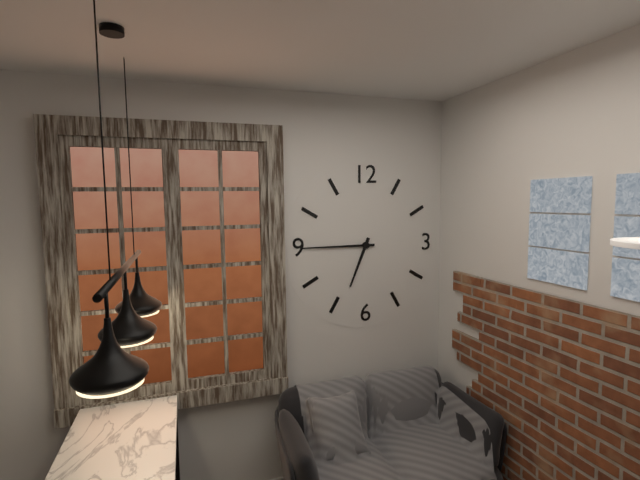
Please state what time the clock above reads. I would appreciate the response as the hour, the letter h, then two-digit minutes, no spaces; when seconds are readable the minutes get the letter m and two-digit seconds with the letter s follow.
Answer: 6h45
